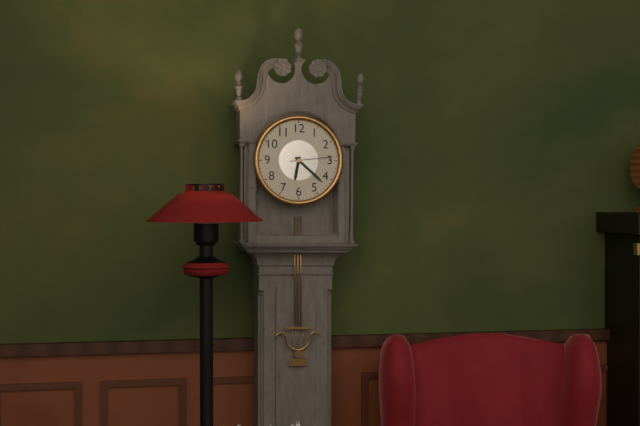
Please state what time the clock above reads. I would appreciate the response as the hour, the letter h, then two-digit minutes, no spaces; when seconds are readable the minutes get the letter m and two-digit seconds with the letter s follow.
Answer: 6h22
